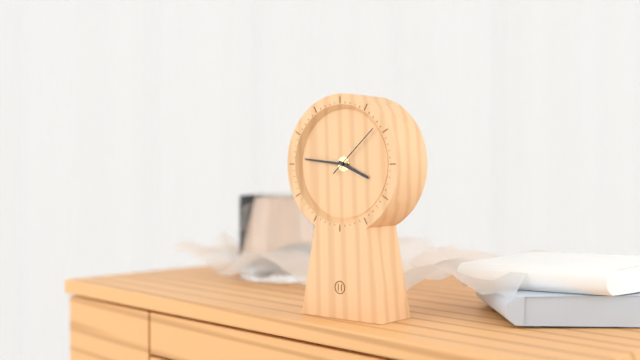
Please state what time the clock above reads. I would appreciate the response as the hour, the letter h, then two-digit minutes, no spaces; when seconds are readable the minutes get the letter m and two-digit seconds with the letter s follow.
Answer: 3h46m08s
